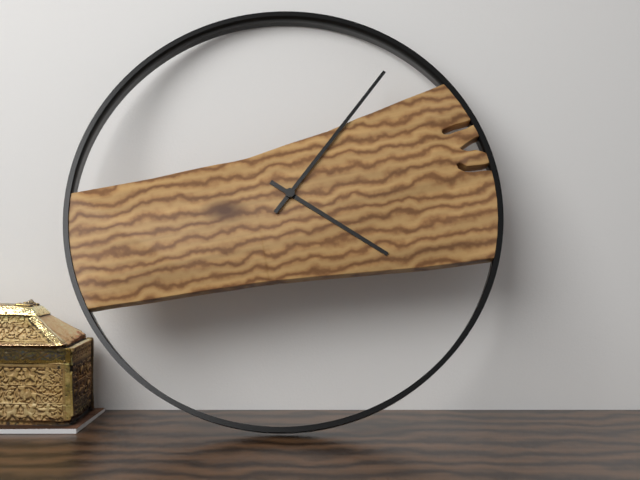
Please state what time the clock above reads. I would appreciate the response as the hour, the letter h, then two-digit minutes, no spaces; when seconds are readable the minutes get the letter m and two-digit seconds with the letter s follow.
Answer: 4h06
